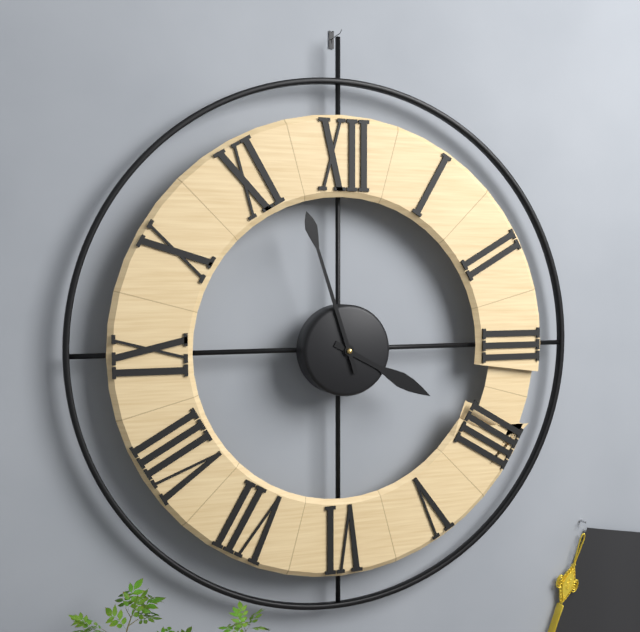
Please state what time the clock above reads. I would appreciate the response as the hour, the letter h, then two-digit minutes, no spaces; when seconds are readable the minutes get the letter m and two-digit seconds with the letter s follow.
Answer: 3h57
